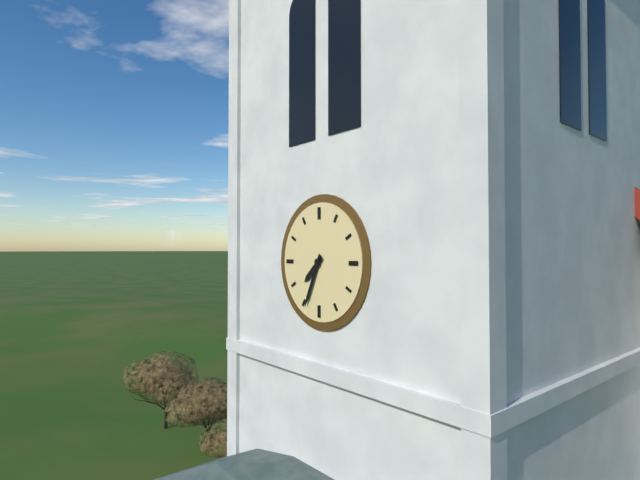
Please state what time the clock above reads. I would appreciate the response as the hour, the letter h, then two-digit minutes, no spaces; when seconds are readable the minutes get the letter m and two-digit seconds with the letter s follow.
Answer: 7h34
